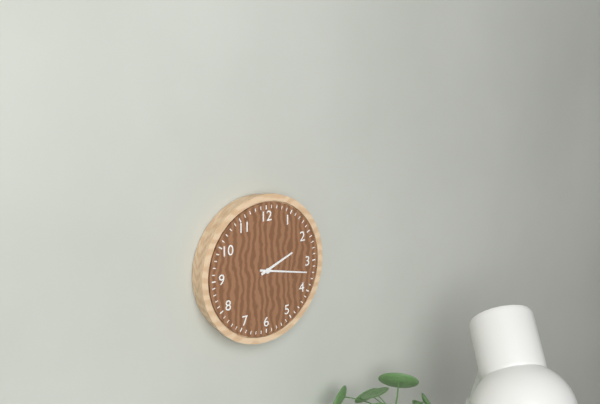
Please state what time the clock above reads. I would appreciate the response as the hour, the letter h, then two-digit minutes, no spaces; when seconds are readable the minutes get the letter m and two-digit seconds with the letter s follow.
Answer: 2h17
